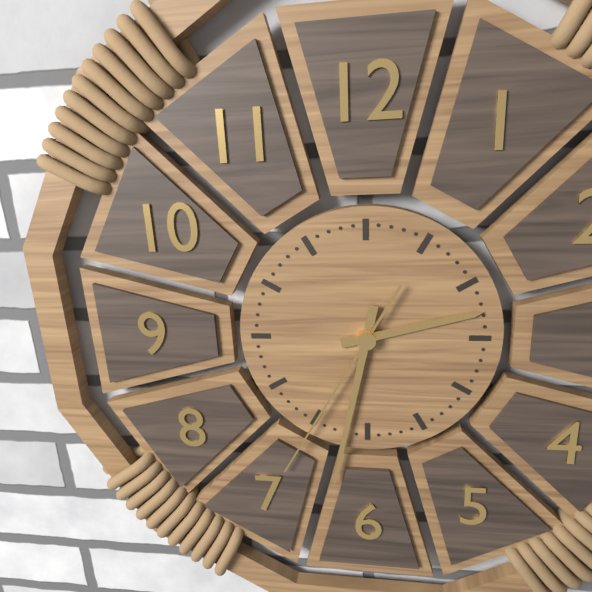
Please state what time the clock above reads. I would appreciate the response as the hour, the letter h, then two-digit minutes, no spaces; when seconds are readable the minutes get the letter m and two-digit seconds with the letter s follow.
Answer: 2h32m35s
